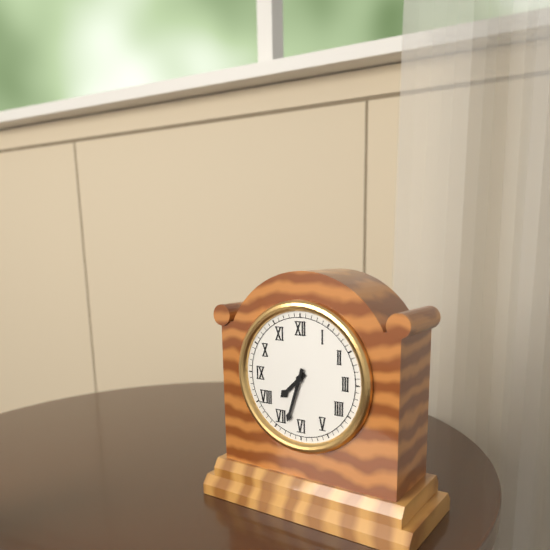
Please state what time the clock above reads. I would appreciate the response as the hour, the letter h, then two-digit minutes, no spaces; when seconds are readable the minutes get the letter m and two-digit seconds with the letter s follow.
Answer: 7h33
